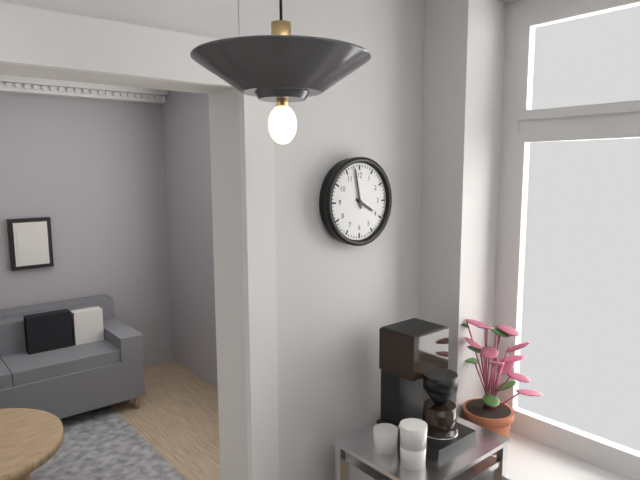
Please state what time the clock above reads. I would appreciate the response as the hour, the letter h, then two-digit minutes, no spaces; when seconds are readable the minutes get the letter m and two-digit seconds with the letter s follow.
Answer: 3h58
